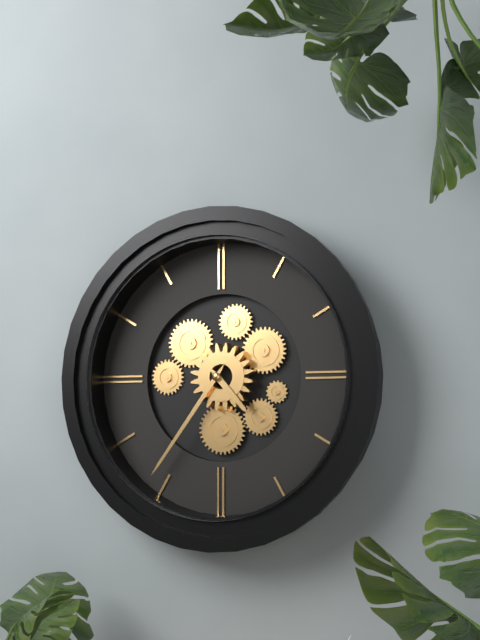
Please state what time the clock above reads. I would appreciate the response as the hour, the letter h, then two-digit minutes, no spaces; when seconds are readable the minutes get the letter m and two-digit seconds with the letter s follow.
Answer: 4h36
